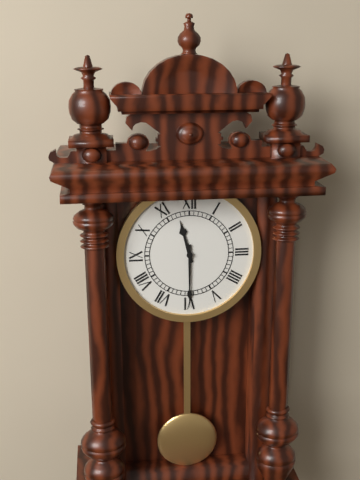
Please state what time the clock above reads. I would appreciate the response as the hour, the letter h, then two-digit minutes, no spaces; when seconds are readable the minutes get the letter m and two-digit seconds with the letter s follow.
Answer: 11h30
